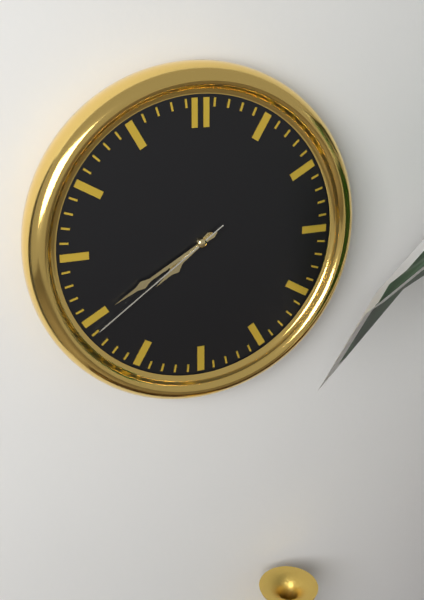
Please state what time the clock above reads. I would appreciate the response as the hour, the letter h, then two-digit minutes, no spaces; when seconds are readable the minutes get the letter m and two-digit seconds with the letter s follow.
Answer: 7h40m39s
